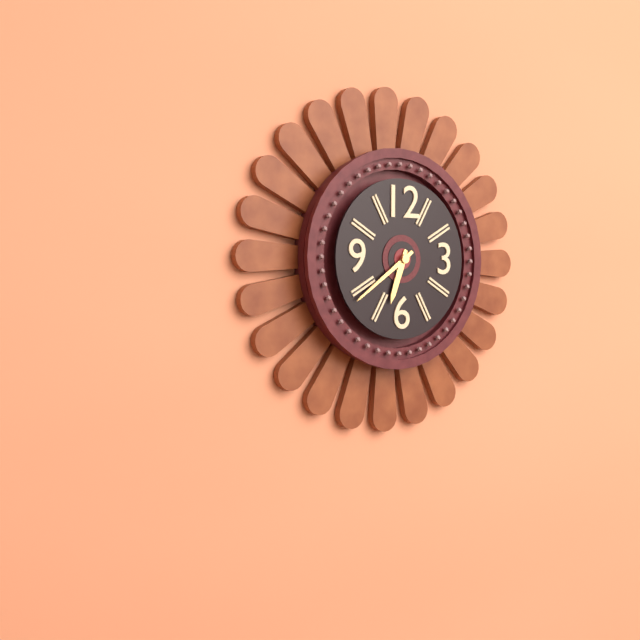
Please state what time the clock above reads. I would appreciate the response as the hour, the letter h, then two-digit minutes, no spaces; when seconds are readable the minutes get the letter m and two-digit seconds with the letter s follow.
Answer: 6h39
